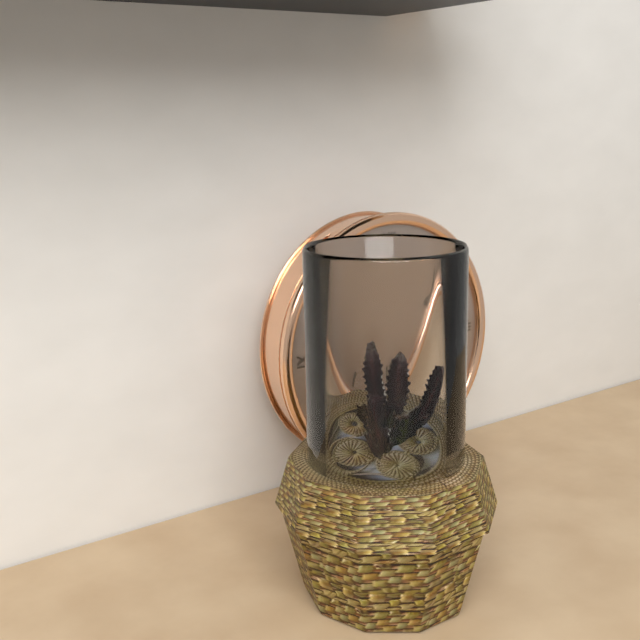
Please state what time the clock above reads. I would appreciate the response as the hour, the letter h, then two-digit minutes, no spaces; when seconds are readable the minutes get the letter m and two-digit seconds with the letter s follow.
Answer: 3h17
